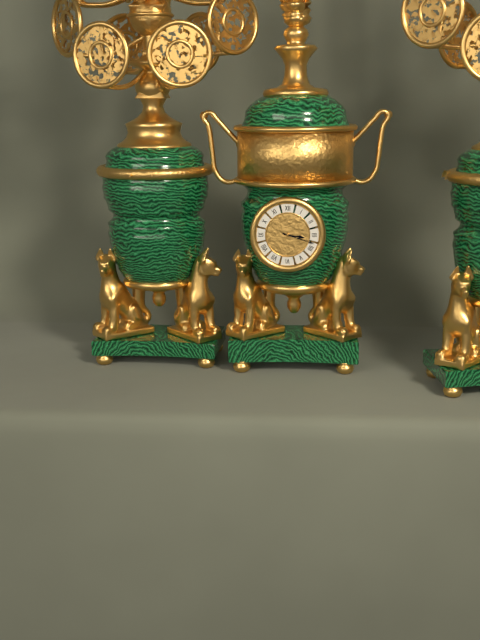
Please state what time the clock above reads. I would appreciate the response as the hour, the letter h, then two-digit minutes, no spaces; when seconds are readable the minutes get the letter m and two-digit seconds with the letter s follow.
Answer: 3h18
